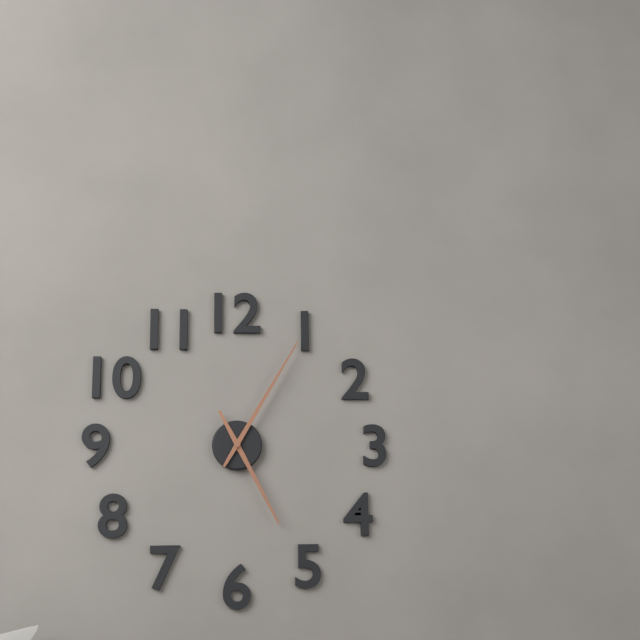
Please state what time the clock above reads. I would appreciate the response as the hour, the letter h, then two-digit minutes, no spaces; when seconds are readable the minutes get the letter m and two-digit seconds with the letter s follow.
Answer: 5h05
